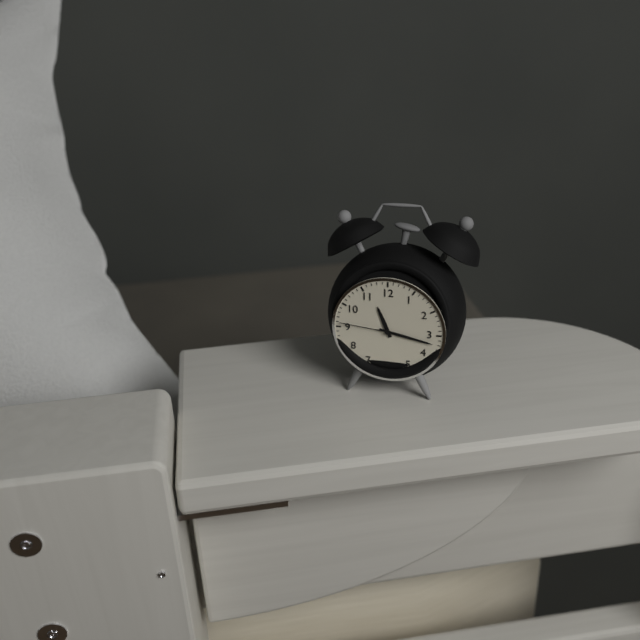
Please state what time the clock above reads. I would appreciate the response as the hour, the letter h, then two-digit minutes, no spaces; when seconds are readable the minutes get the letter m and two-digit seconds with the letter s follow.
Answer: 11h17m46s
